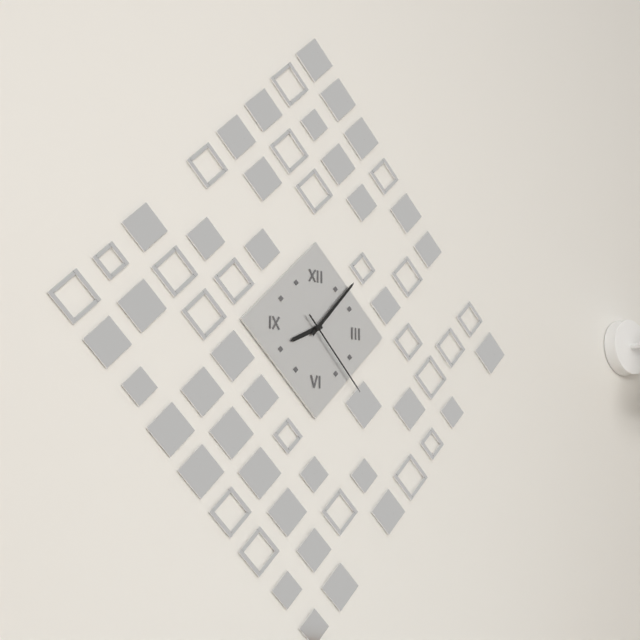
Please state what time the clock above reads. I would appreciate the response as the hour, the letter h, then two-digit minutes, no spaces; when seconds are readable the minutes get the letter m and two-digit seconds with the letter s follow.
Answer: 8h07m23s
